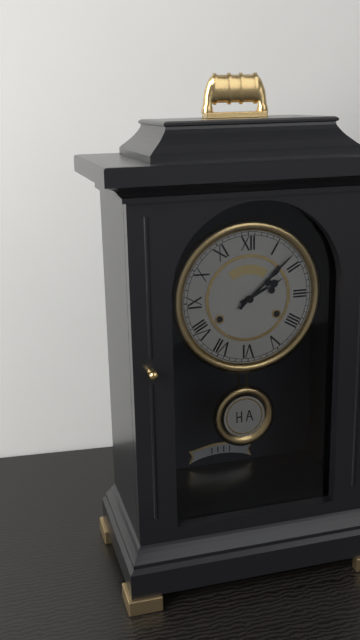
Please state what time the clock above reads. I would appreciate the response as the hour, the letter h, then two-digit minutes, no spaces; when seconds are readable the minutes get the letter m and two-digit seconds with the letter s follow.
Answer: 2h08
